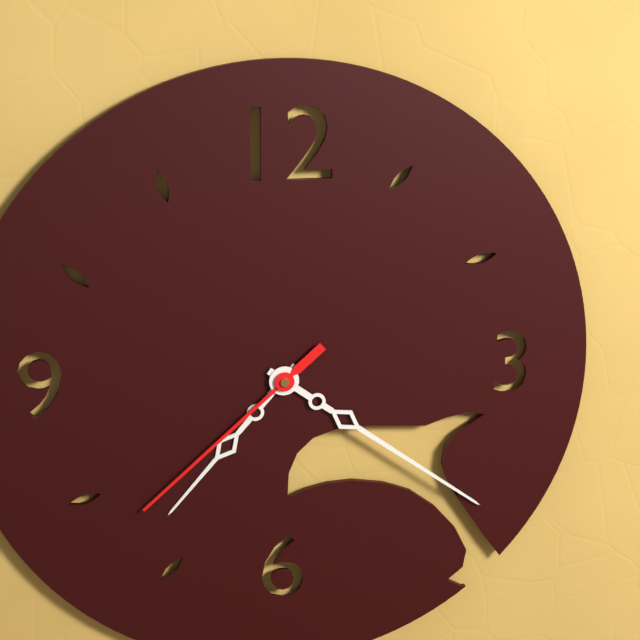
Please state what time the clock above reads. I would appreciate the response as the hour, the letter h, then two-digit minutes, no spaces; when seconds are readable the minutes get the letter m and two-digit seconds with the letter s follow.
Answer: 7h21m38s
